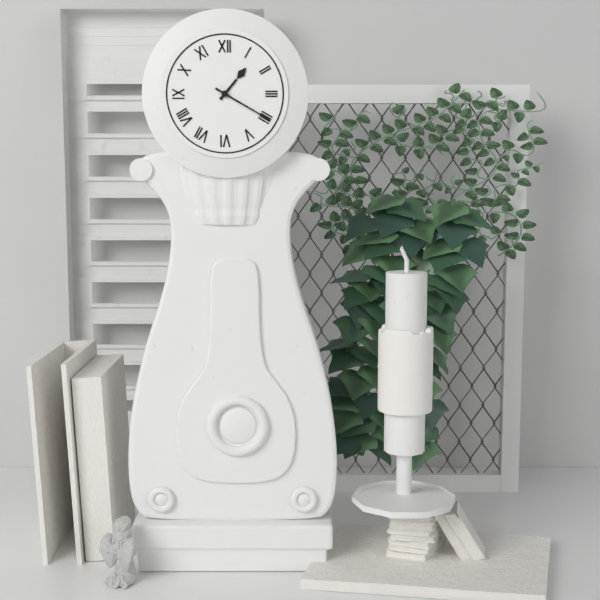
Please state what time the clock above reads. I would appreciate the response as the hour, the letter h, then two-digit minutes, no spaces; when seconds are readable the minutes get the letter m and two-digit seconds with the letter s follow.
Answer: 1h20
